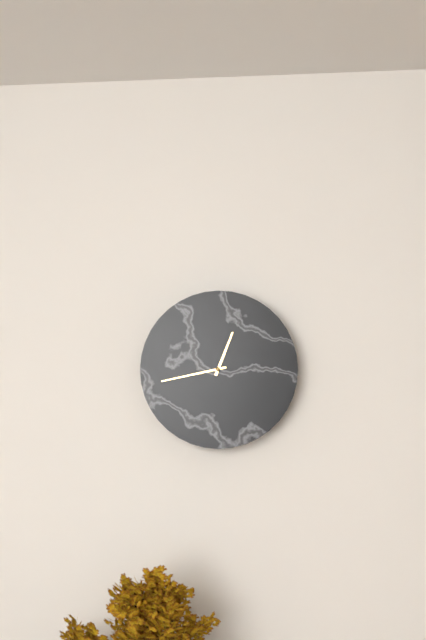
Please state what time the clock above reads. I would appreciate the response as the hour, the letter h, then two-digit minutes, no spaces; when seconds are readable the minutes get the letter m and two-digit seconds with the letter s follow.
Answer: 12h43
